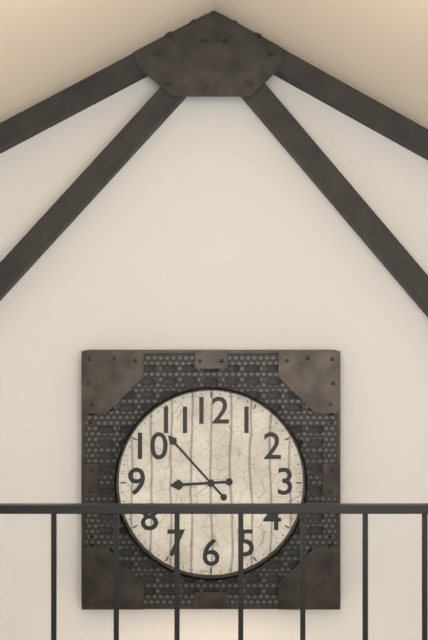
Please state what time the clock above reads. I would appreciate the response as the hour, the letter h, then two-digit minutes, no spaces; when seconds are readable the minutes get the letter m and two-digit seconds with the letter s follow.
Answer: 8h53
